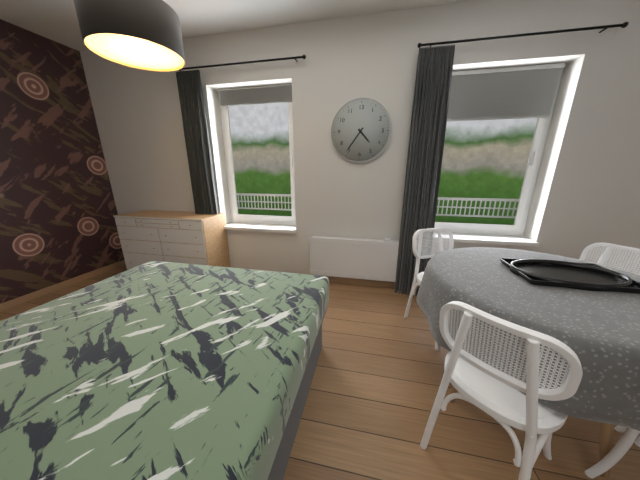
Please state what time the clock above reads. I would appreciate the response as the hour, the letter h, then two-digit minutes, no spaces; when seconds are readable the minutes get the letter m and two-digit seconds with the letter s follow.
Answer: 4h36
